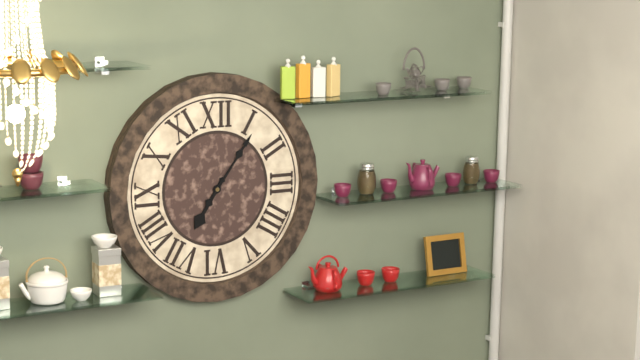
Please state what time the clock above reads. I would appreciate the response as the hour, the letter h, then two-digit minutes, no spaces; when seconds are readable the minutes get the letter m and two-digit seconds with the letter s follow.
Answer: 7h06
